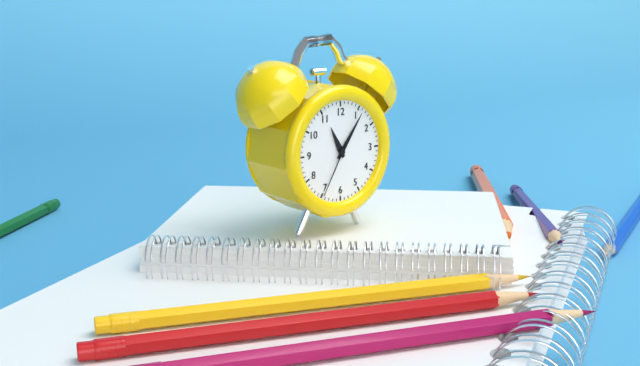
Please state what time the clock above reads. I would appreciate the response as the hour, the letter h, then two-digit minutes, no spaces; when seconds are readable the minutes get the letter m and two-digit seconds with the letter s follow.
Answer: 11h06m35s
